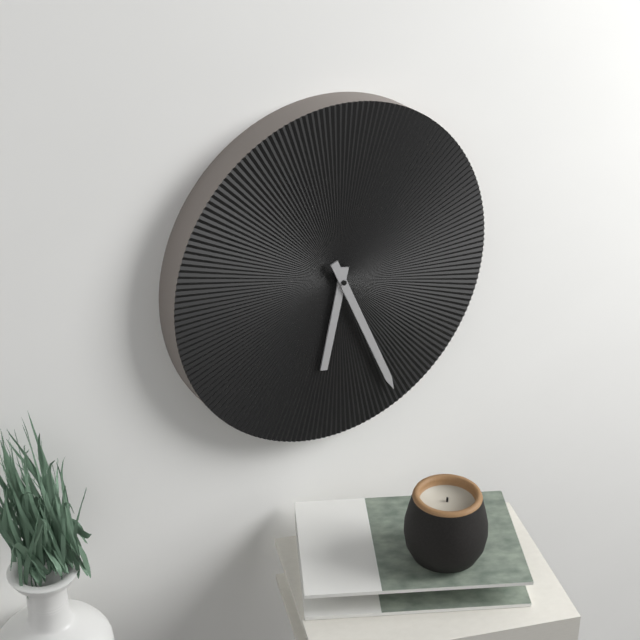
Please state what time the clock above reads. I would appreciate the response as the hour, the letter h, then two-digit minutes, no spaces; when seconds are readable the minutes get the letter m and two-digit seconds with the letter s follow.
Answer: 6h26
